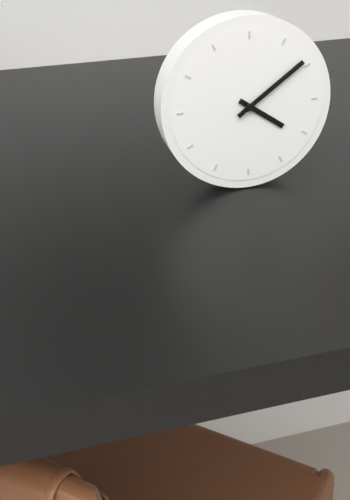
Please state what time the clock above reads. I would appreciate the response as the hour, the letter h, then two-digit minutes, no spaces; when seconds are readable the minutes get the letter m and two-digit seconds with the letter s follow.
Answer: 4h09
